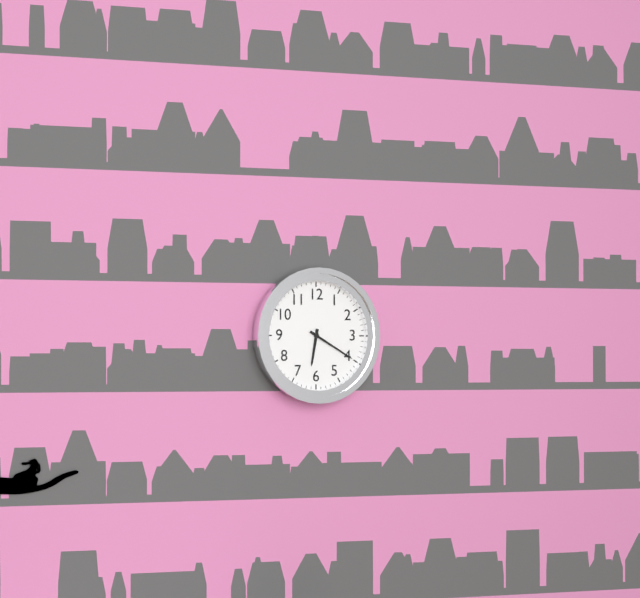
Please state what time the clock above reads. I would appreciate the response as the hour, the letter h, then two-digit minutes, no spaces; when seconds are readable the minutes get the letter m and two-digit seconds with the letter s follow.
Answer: 6h20
